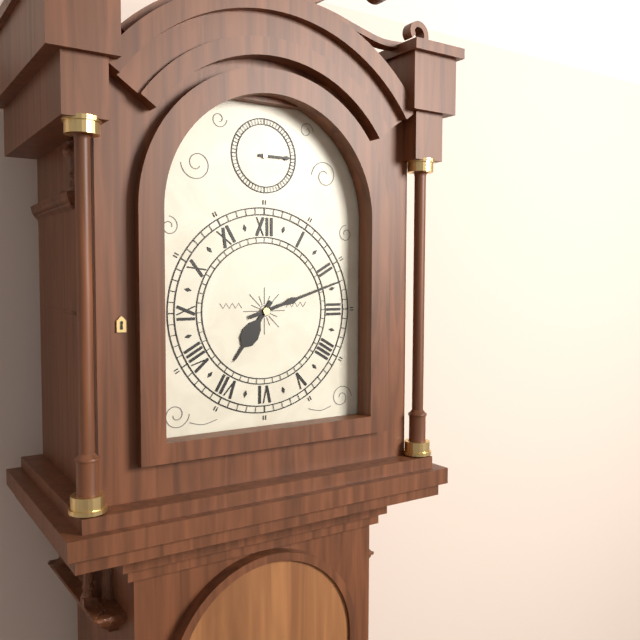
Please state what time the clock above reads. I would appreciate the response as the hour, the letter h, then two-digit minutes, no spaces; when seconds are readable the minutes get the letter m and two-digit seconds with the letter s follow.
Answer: 7h12
